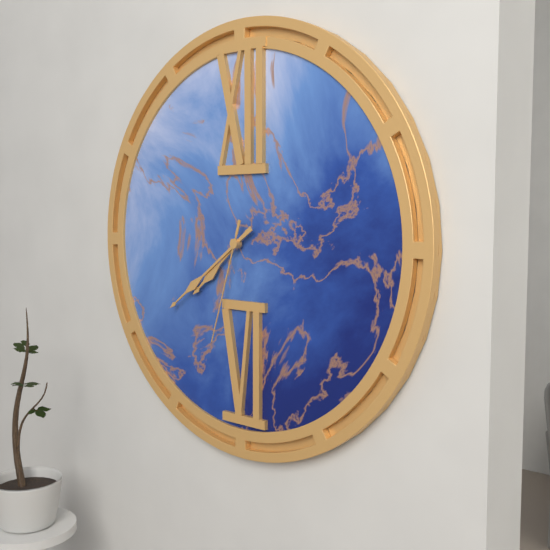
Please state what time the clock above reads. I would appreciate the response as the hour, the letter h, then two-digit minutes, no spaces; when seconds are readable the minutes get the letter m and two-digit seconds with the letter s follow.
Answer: 7h39m33s
